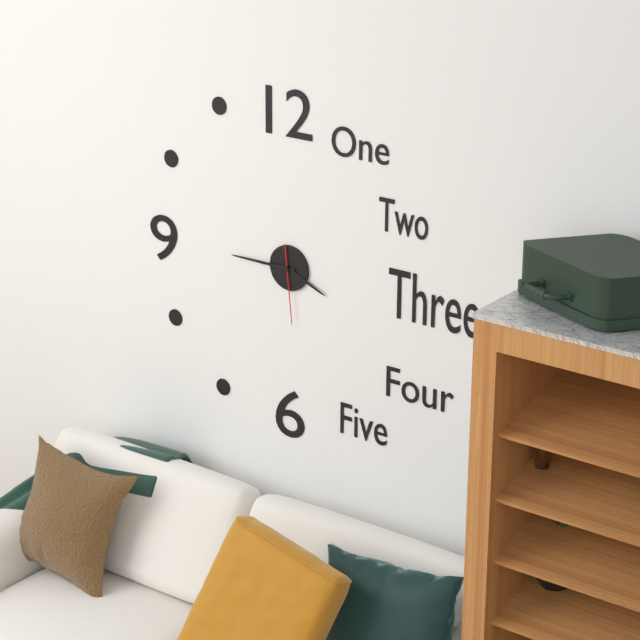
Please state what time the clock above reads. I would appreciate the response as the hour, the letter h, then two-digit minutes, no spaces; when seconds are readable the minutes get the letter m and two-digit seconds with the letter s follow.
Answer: 3h45m29s
